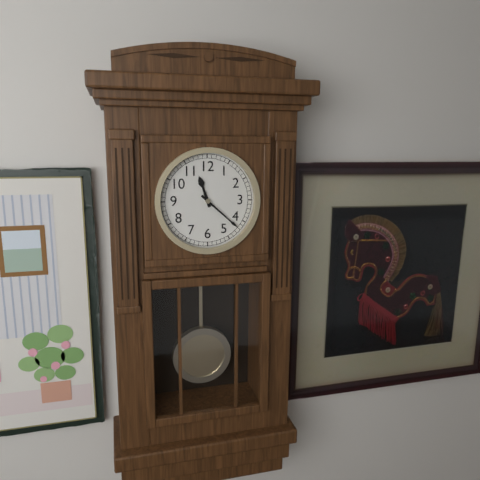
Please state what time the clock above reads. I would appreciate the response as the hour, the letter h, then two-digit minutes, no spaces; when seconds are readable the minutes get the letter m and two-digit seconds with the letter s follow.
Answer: 11h22
